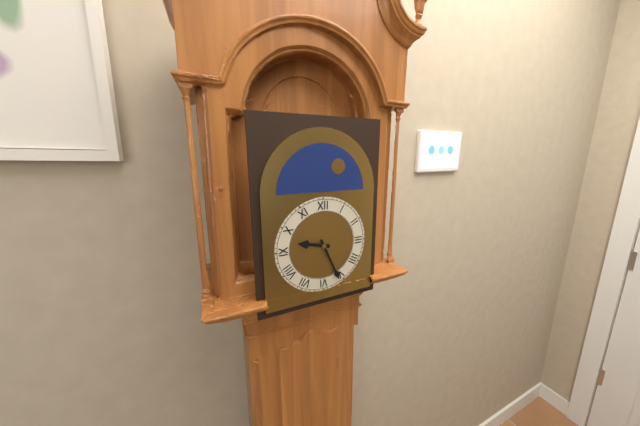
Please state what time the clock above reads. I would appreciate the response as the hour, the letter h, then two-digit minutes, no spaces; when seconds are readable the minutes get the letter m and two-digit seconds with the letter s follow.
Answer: 9h26
